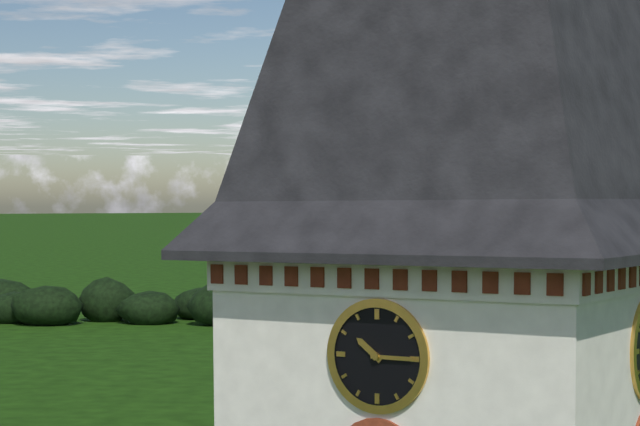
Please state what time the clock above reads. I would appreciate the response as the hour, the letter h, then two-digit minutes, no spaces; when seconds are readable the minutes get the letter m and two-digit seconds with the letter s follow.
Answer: 10h15
